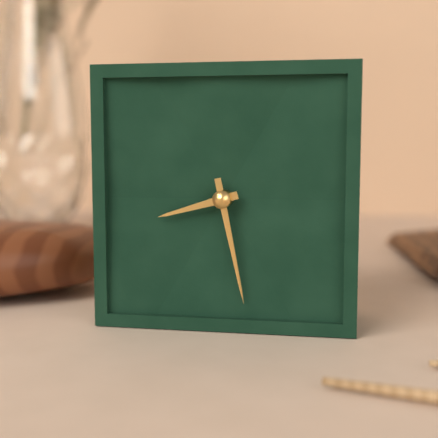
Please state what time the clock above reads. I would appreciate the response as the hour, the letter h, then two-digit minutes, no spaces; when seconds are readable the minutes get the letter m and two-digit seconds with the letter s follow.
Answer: 8h28
